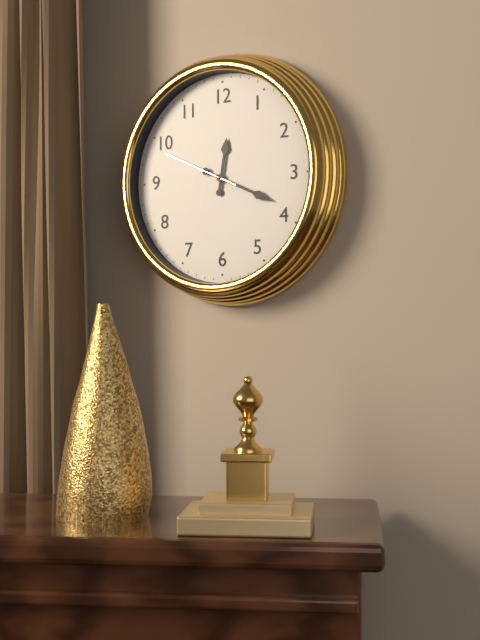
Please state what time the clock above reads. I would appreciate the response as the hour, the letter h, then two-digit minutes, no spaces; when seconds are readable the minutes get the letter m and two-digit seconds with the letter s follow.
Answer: 12h19m49s
